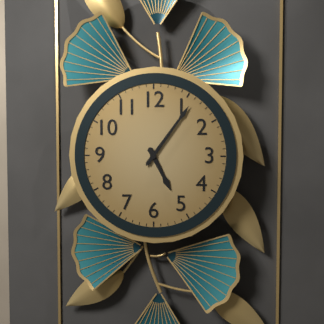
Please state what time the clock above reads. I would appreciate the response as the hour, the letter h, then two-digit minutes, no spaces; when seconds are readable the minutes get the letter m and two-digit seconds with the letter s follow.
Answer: 5h06
